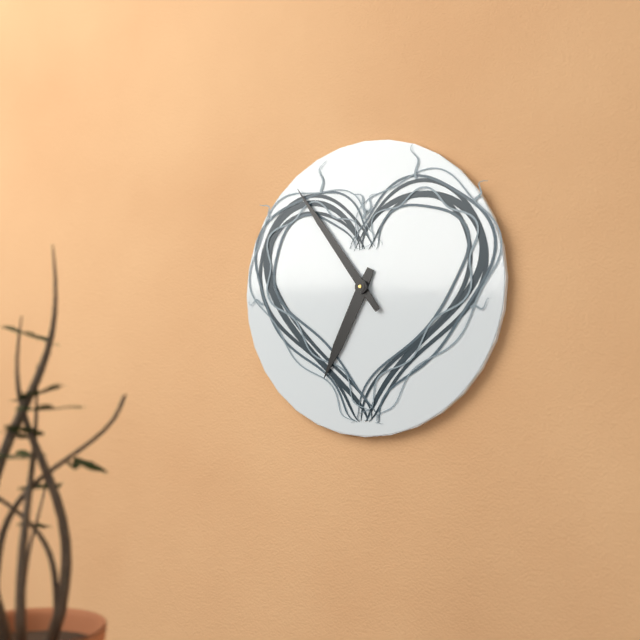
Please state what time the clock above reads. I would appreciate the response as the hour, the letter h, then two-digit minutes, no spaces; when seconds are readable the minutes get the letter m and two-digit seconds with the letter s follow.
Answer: 6h54
